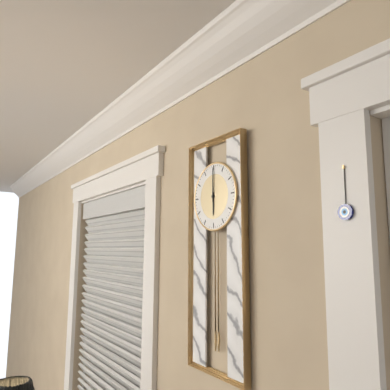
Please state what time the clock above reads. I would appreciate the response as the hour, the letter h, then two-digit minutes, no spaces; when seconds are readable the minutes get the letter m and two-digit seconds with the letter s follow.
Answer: 6h00
